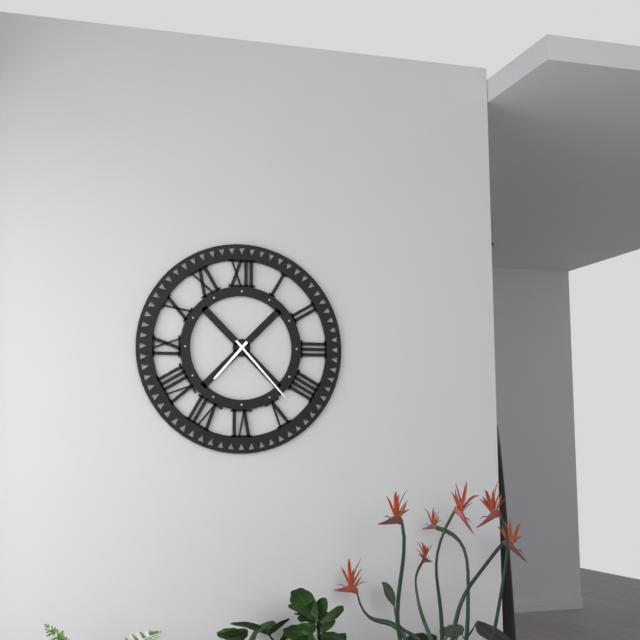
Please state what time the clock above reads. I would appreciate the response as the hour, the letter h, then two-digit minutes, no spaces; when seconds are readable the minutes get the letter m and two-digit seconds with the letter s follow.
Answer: 7h23
